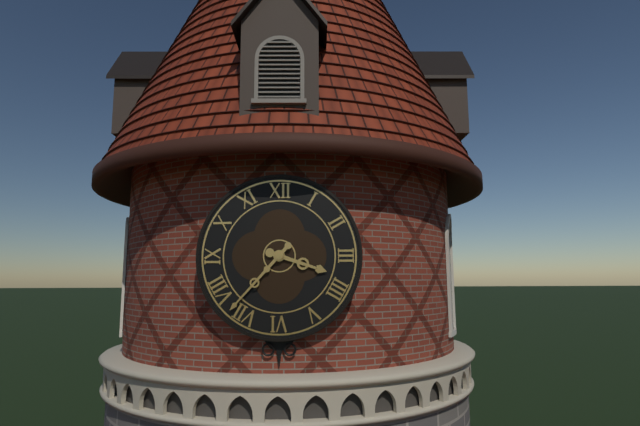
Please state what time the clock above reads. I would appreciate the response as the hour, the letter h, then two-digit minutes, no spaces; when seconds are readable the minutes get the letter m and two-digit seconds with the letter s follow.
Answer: 3h37
